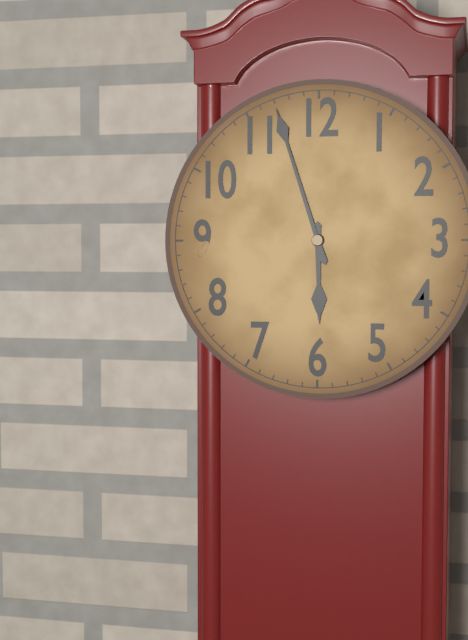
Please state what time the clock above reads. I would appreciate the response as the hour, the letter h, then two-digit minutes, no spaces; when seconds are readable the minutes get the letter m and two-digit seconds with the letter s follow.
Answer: 5h57
